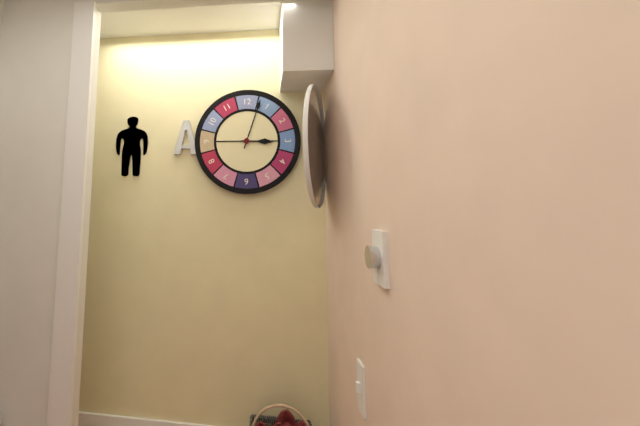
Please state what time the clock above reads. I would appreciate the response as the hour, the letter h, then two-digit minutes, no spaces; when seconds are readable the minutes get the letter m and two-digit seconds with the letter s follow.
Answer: 3h03
